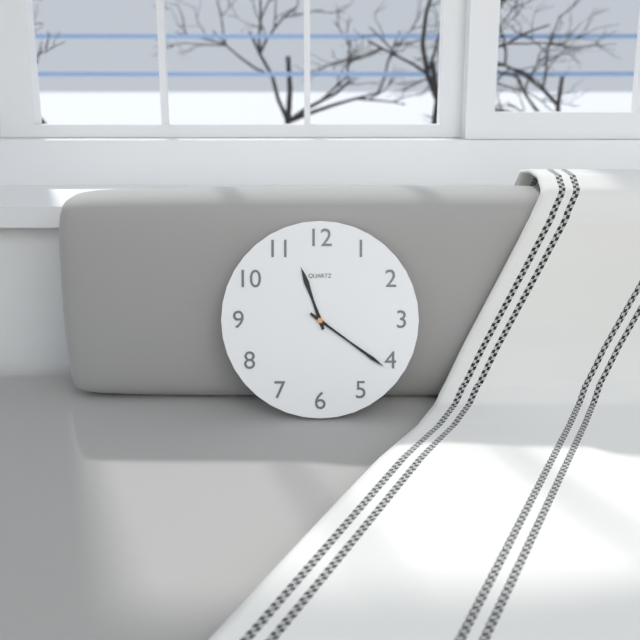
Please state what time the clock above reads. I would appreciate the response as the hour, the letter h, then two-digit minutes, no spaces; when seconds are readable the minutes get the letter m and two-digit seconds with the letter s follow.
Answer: 11h21
